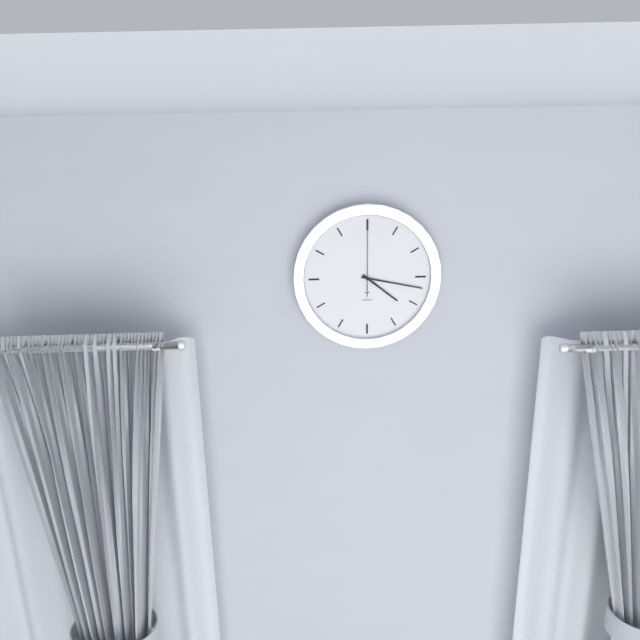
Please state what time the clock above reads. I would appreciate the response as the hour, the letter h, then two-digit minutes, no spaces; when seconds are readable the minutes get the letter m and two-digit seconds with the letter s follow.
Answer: 4h17m00s
